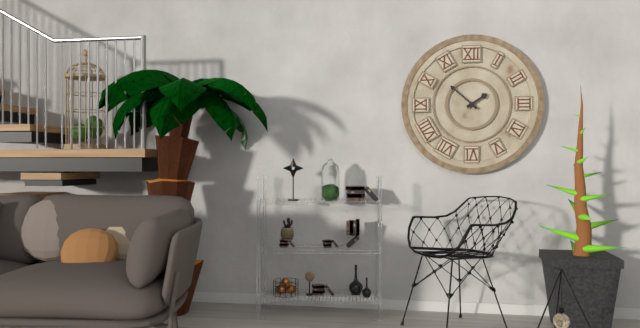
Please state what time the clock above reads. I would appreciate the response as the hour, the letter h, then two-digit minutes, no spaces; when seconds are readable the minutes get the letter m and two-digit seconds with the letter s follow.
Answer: 1h52
